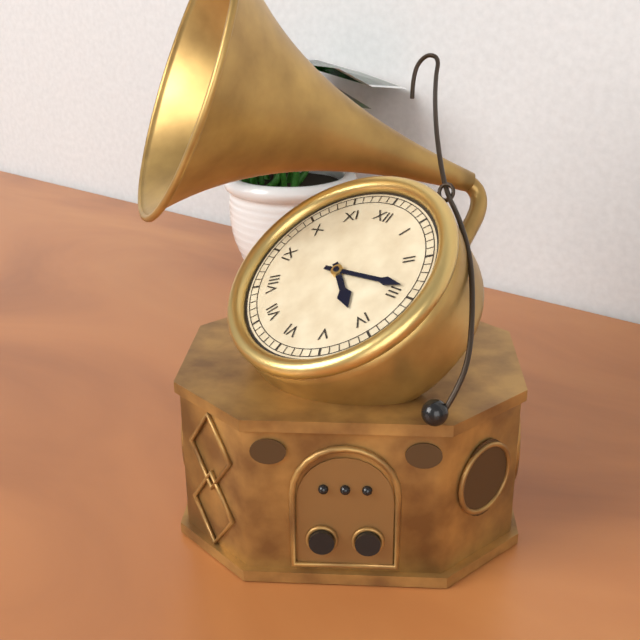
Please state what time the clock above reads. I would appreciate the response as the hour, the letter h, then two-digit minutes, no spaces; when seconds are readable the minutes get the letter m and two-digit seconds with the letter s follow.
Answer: 4h14
